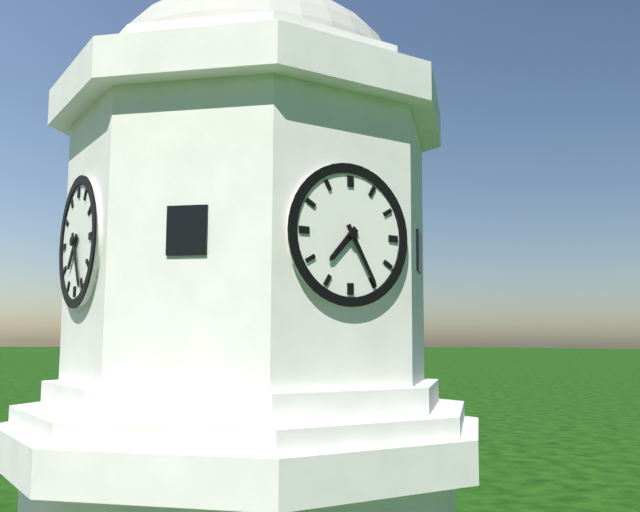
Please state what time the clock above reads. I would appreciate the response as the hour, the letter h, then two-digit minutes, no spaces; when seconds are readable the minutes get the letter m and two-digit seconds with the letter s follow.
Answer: 7h25
